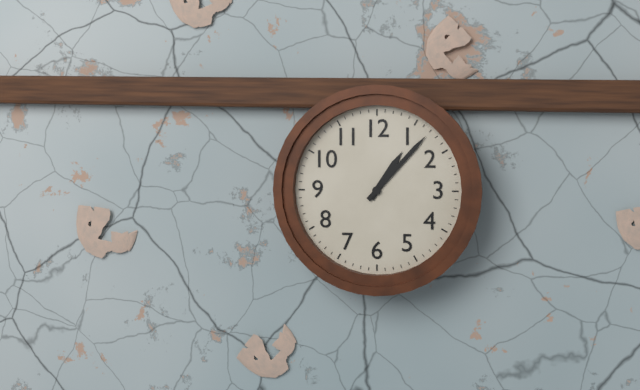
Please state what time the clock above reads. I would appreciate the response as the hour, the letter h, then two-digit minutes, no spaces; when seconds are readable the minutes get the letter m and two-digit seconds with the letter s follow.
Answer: 1h07
